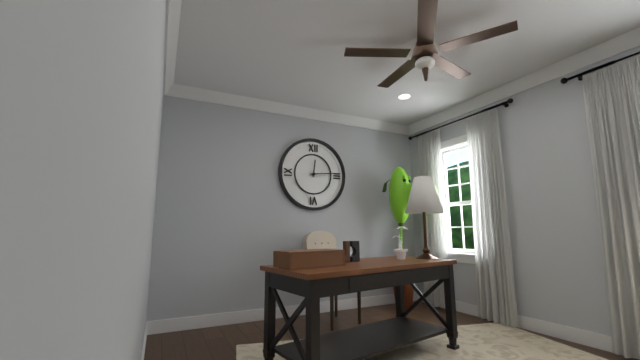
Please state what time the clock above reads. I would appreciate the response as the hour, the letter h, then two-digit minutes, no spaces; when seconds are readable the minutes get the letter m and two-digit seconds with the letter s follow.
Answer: 12h14
